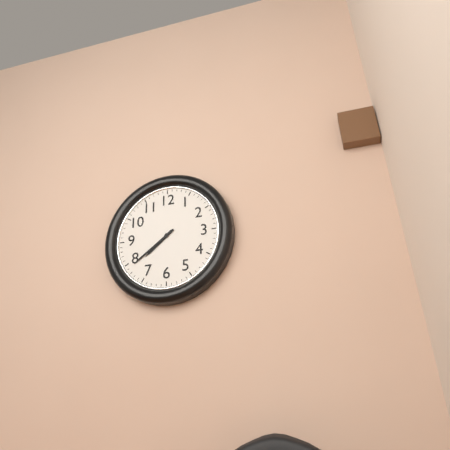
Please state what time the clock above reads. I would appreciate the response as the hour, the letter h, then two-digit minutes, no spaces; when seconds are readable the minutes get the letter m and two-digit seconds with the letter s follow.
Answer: 7h39
